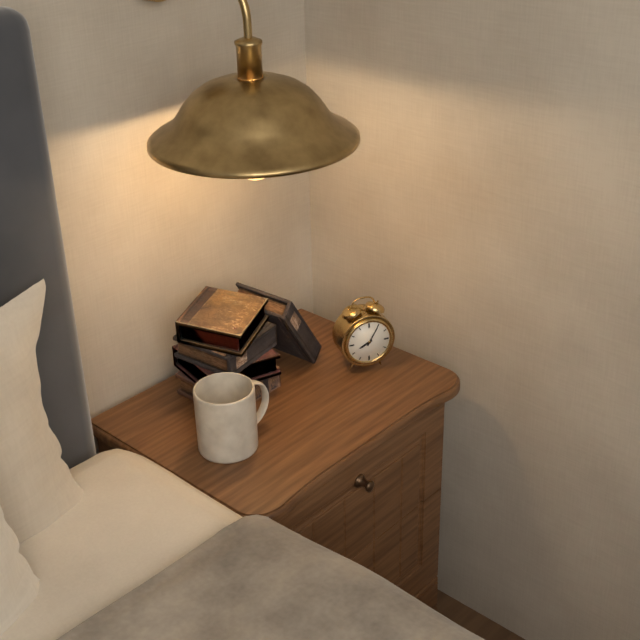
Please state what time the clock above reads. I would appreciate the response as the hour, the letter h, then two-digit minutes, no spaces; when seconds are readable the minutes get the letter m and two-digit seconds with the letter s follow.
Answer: 8h05
